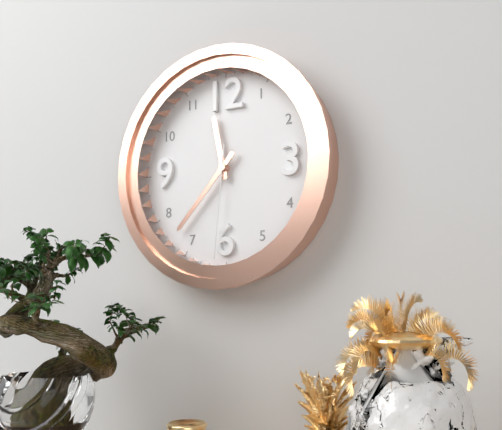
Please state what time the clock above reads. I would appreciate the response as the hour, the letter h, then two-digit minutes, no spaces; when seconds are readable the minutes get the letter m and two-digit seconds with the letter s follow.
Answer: 11h37m31s
